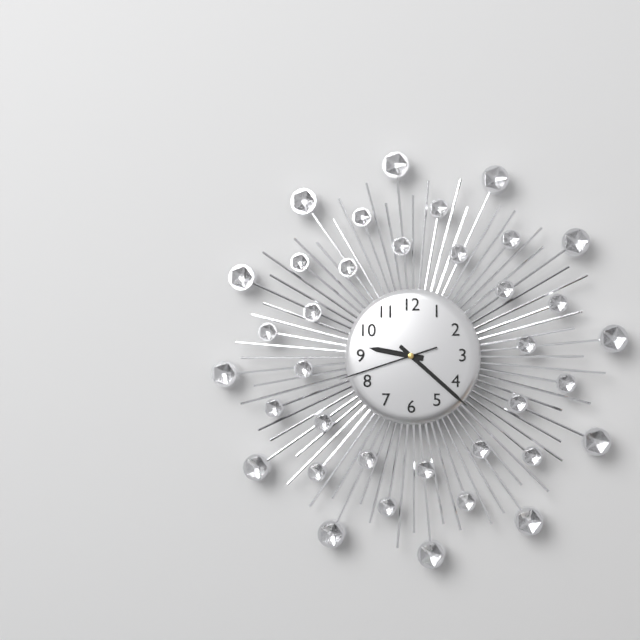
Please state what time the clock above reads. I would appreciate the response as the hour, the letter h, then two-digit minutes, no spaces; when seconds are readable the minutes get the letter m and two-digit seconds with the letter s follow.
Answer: 9h22m42s
